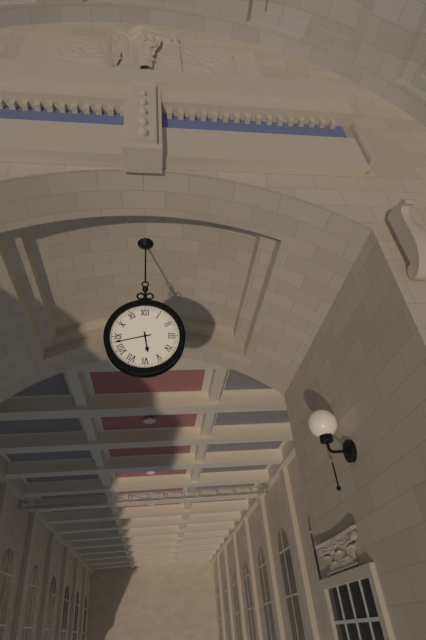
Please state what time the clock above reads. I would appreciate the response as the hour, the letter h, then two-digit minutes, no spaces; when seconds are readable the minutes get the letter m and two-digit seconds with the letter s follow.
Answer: 5h43
